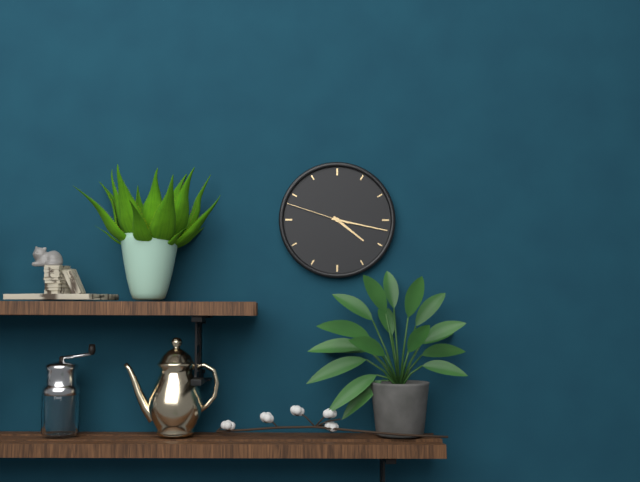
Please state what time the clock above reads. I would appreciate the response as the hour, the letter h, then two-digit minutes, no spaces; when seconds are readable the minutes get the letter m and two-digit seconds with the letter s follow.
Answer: 4h17m48s
